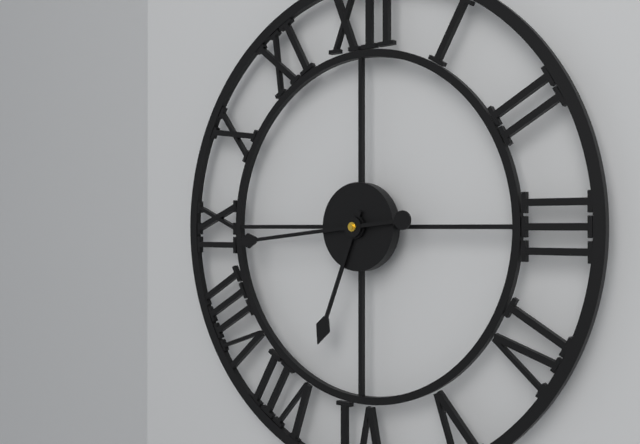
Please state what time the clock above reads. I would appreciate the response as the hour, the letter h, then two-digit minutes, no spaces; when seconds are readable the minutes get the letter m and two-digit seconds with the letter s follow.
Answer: 6h44
